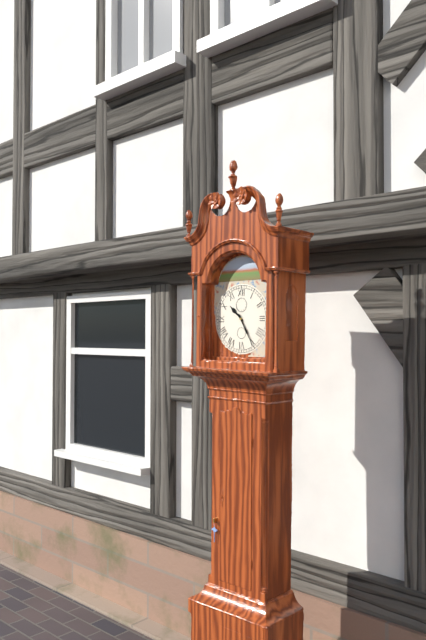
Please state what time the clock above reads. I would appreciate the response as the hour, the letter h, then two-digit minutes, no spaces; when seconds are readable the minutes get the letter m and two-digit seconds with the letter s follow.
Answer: 10h25
